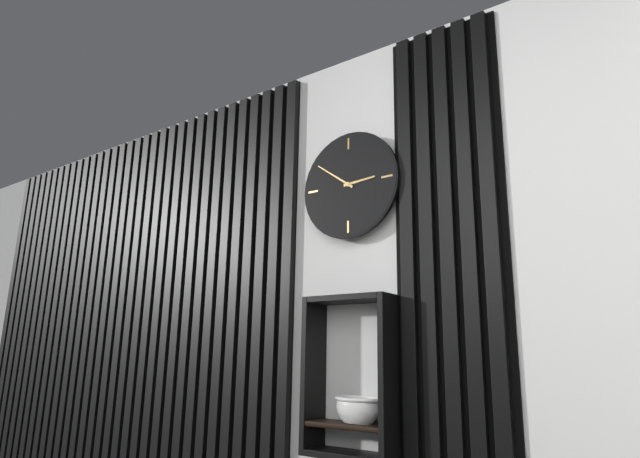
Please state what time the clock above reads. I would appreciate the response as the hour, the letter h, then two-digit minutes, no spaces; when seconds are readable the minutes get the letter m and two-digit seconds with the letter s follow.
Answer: 2h51
